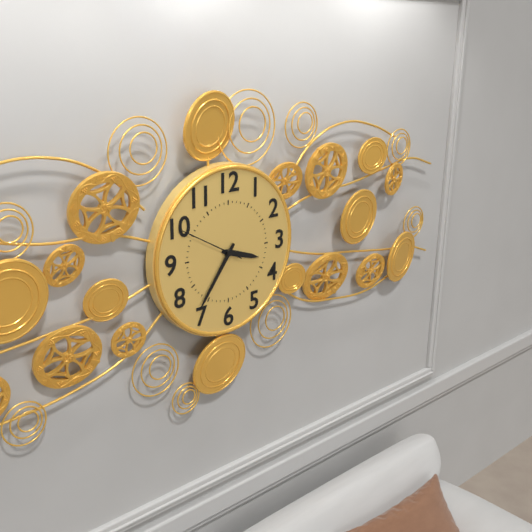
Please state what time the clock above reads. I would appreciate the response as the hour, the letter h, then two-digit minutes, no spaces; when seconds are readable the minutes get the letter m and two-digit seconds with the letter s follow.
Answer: 3h36m50s
